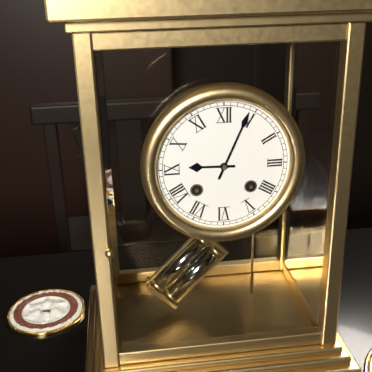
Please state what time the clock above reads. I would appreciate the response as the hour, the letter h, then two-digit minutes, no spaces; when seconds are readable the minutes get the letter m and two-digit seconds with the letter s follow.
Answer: 9h04
